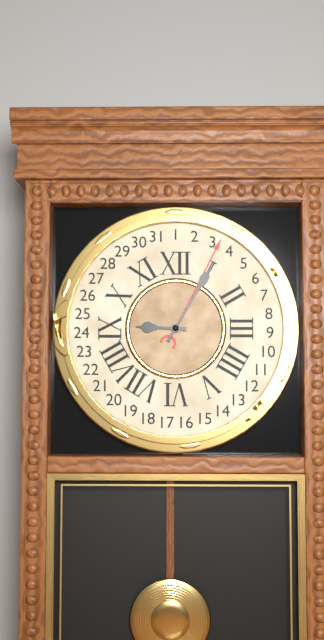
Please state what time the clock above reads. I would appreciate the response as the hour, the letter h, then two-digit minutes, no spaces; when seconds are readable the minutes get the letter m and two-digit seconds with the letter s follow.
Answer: 9h05
